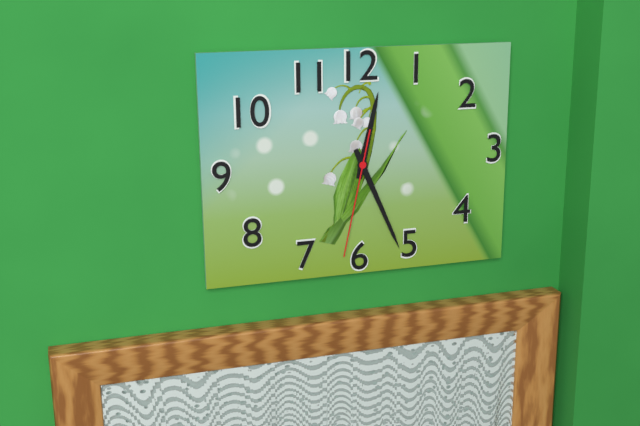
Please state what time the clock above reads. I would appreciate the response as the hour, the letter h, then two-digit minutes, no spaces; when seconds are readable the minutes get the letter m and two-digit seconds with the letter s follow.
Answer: 12h26m32s
